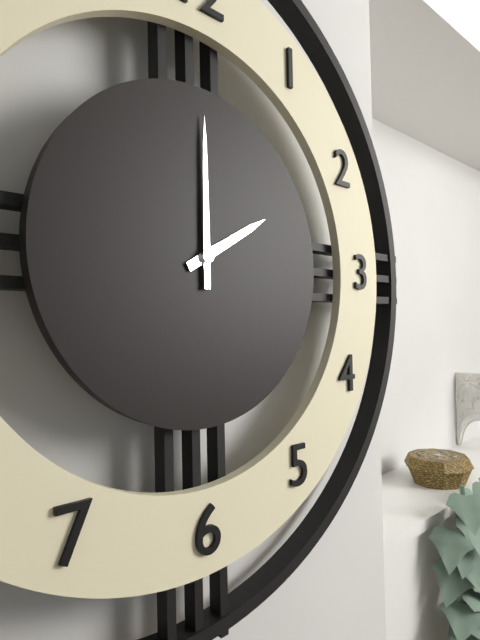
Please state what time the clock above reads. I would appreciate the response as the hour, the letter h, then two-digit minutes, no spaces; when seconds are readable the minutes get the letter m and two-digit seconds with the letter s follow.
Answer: 2h00
